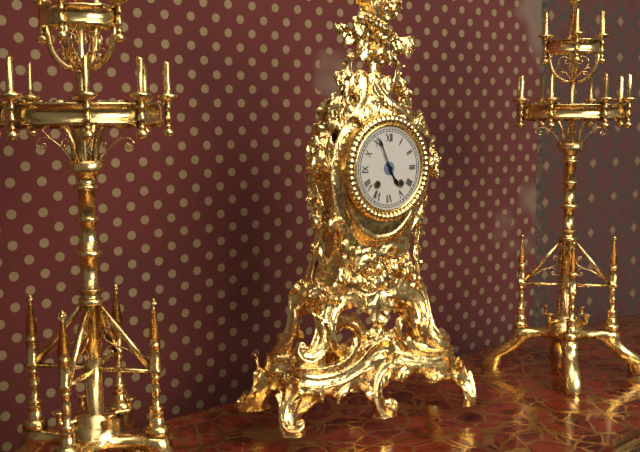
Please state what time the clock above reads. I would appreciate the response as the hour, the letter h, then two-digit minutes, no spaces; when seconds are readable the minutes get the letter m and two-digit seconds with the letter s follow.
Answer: 4h56
